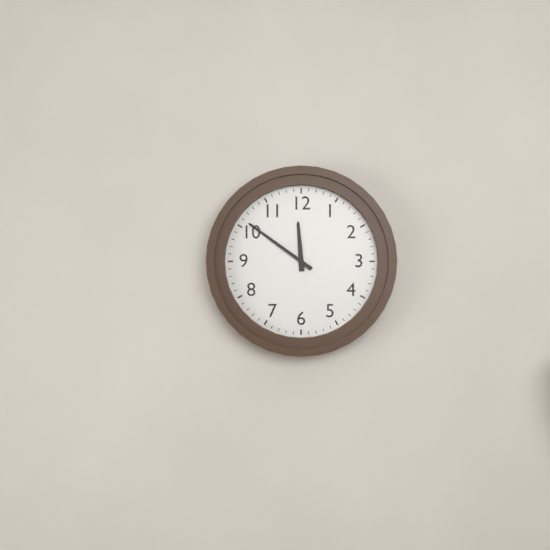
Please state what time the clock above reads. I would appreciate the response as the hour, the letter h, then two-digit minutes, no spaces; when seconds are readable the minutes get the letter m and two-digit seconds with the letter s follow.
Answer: 11h51
